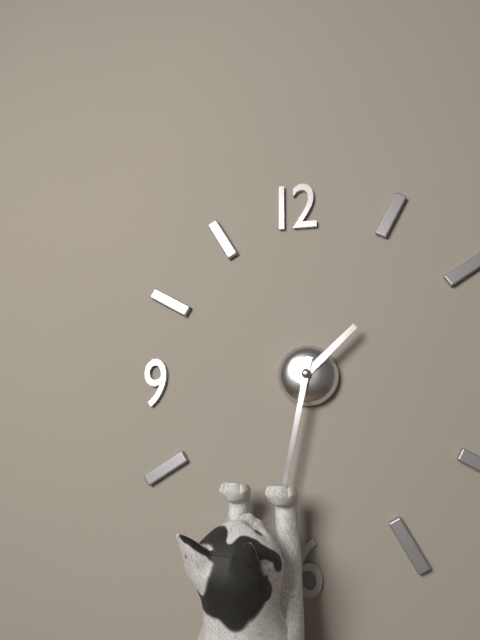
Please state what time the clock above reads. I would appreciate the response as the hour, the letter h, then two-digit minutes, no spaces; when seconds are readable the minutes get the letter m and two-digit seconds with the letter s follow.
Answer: 1h32
